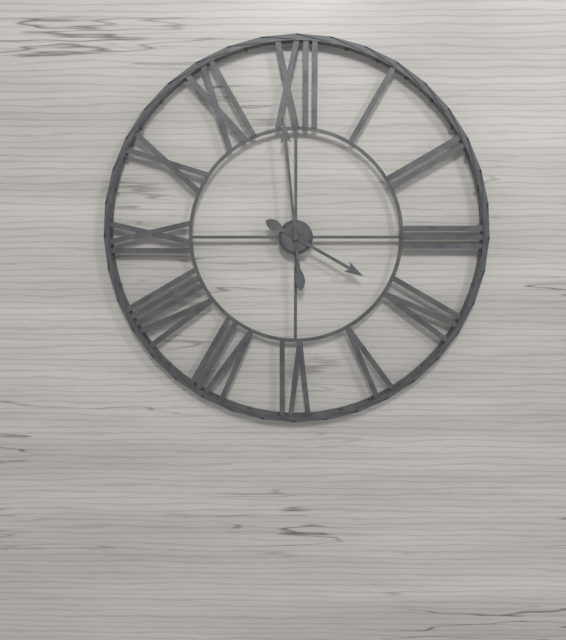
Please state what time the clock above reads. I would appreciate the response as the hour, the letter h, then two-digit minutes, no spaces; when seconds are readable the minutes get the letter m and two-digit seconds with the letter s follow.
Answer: 3h59
